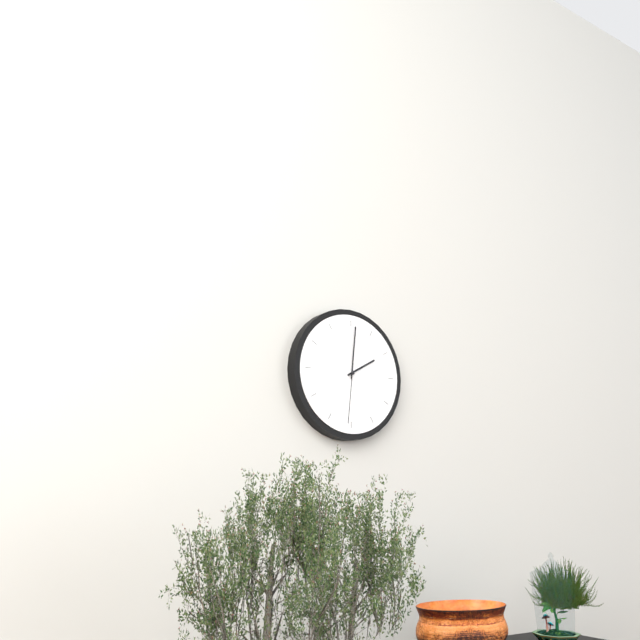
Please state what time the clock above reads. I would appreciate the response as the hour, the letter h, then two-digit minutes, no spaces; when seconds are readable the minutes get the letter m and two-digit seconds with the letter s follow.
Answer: 2h01m31s
